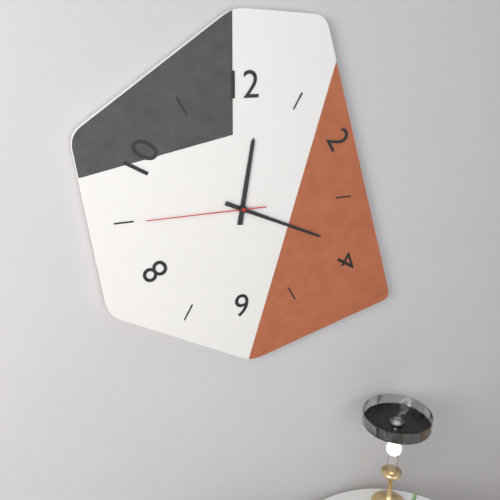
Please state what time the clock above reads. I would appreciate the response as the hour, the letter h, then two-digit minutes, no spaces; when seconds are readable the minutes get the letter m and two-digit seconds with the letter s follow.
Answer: 12h19m45s
